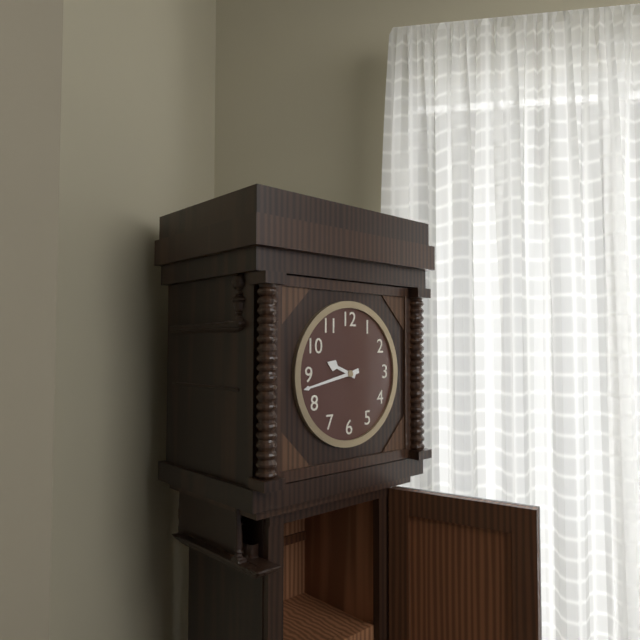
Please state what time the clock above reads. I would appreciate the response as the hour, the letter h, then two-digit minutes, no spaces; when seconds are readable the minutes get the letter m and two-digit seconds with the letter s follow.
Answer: 9h43
